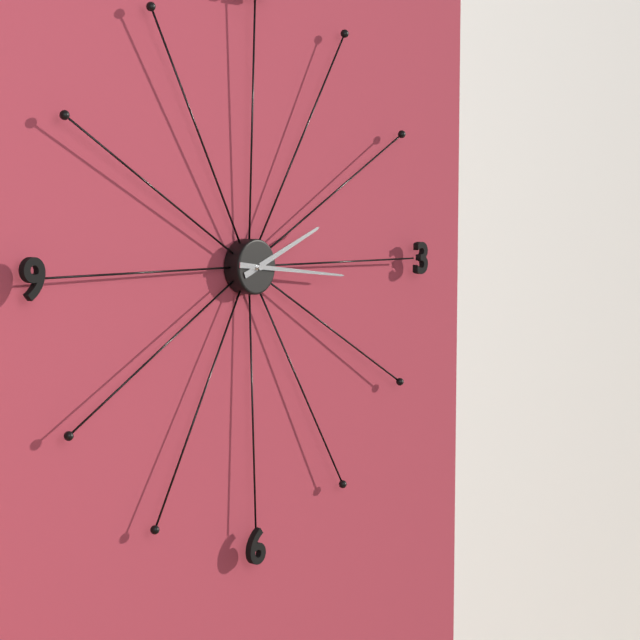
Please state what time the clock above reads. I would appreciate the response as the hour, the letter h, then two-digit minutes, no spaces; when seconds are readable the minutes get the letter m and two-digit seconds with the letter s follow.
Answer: 2h16
